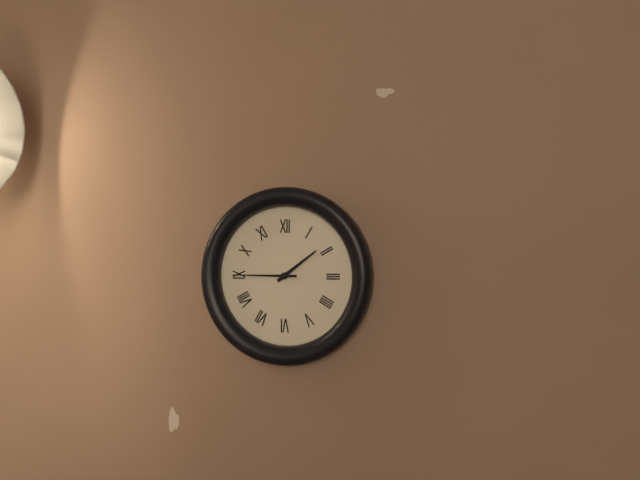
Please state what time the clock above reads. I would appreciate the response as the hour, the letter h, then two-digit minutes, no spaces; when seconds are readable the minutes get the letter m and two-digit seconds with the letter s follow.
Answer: 1h45
